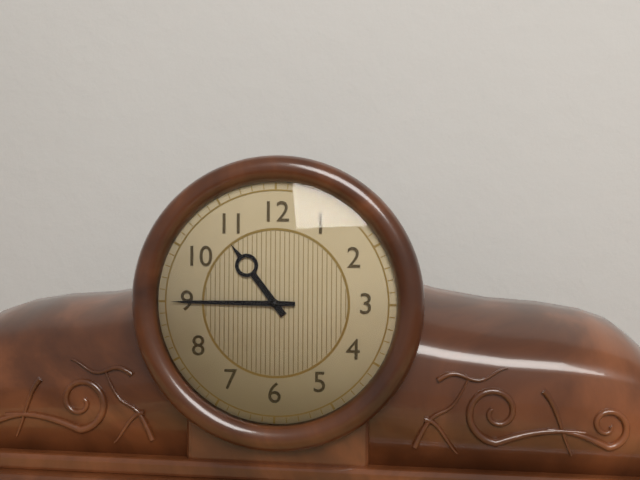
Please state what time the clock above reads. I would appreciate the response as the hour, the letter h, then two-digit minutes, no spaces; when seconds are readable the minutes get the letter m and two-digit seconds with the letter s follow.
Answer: 10h45
